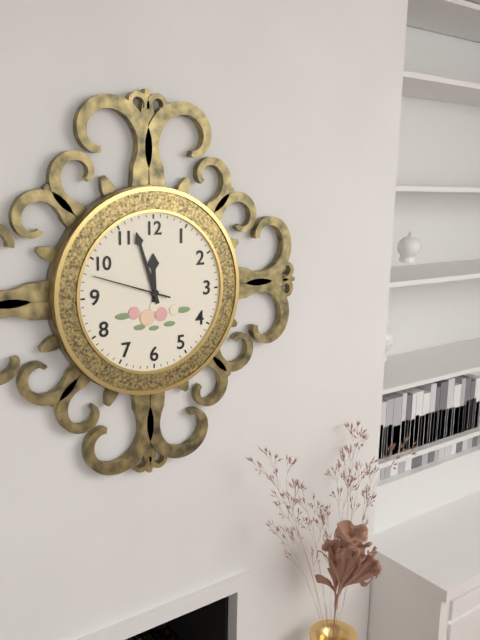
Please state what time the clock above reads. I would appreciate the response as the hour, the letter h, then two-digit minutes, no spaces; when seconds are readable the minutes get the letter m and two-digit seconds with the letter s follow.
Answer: 11h57m48s
